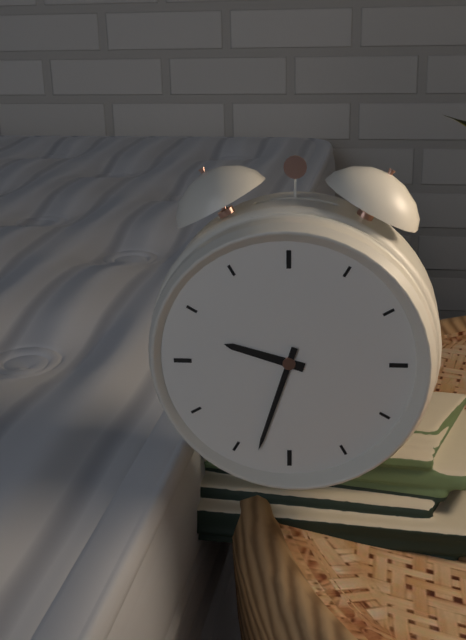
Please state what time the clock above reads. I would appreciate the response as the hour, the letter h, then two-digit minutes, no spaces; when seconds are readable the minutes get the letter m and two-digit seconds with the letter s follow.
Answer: 9h33
